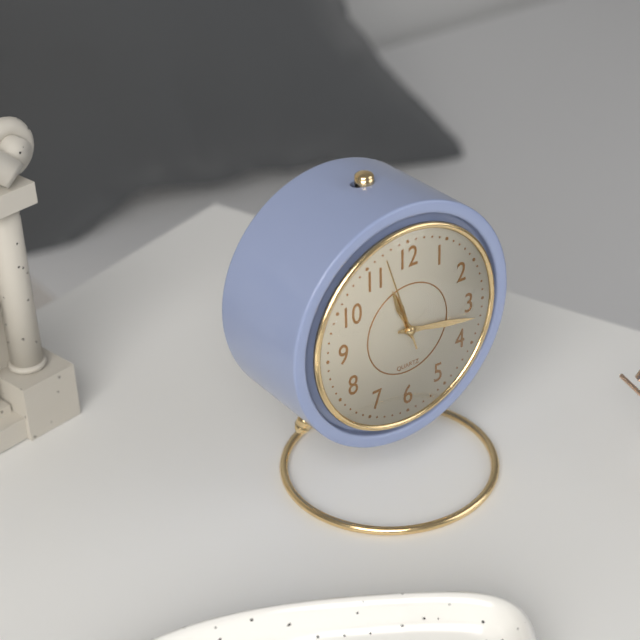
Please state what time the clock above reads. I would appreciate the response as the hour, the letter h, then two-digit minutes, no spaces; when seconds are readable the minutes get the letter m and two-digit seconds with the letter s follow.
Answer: 11h17m57s
